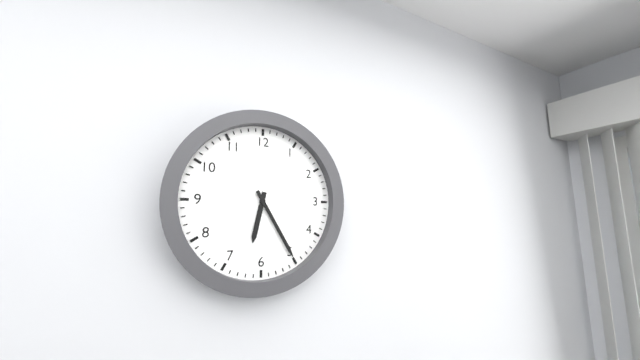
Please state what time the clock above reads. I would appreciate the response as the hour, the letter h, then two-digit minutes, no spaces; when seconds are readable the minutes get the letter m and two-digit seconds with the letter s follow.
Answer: 6h25
